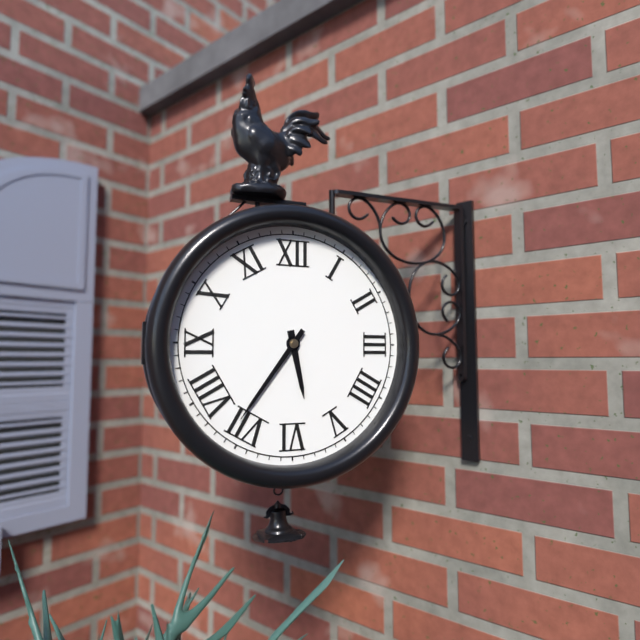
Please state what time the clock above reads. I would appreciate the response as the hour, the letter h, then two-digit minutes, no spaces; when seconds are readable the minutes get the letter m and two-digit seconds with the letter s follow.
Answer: 5h36
